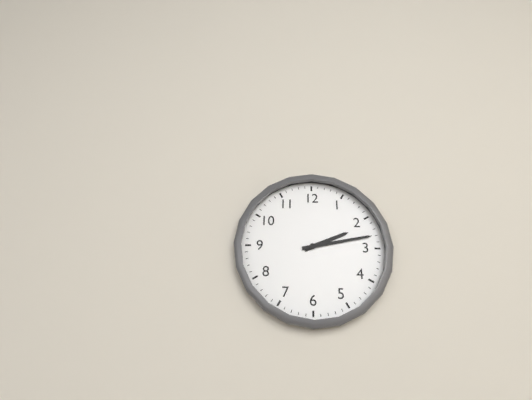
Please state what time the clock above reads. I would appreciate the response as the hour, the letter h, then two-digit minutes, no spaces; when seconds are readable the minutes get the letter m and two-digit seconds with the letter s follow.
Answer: 2h13
